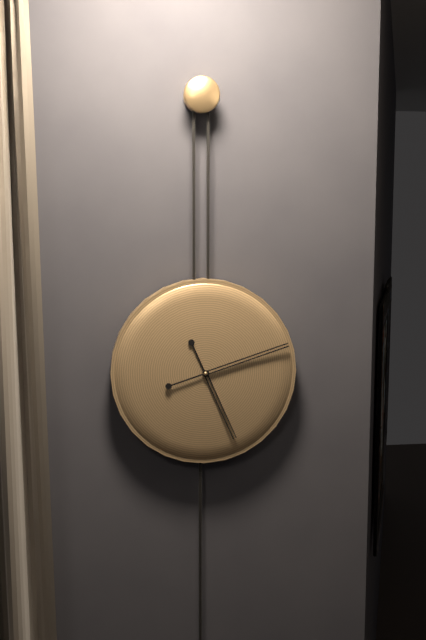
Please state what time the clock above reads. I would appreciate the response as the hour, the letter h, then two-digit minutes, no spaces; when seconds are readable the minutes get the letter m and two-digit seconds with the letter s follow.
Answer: 5h12
